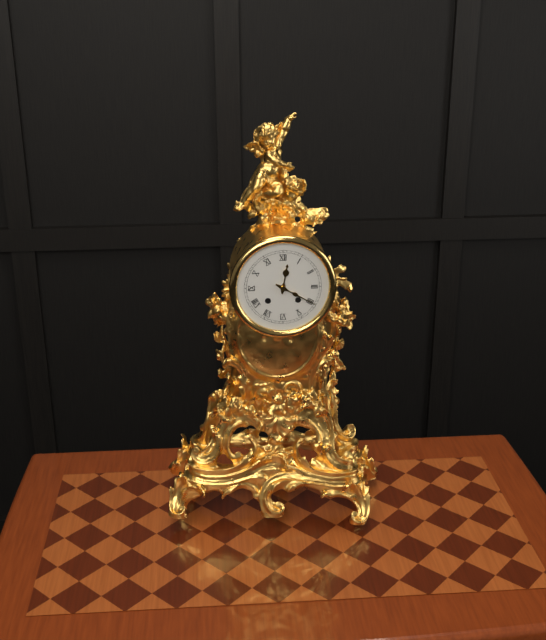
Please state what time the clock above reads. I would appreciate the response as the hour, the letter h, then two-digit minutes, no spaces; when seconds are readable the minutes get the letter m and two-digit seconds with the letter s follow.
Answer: 12h20
